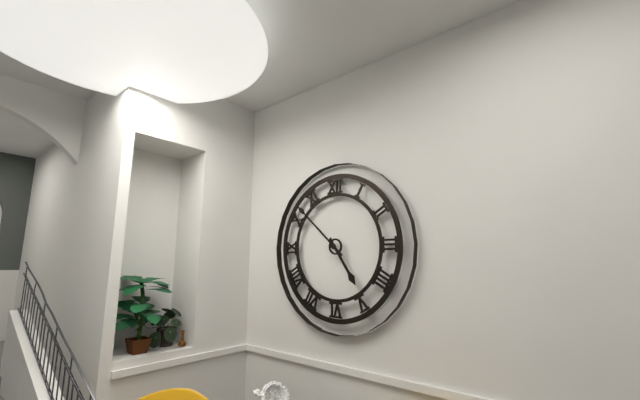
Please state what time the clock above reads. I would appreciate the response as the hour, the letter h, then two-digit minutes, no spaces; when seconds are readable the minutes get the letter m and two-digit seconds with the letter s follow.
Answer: 4h52
